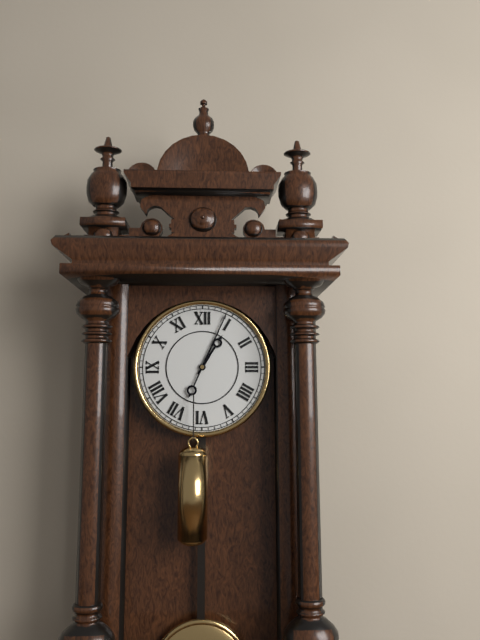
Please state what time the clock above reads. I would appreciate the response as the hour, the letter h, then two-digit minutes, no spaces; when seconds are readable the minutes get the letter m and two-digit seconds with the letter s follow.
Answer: 1h04
